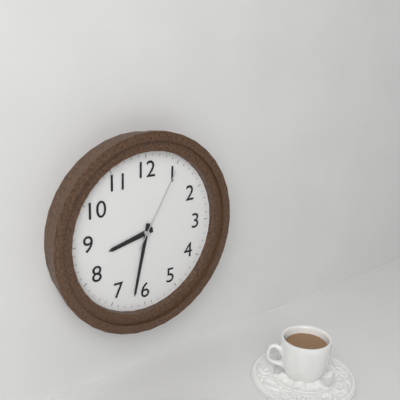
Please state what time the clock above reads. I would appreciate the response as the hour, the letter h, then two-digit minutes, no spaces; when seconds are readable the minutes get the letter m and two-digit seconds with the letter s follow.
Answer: 8h32m05s
